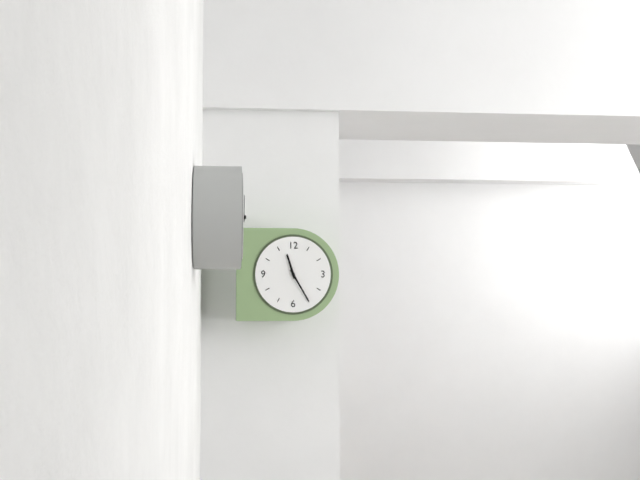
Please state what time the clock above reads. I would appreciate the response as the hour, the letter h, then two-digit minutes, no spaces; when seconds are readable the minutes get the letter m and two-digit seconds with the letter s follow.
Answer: 11h25
